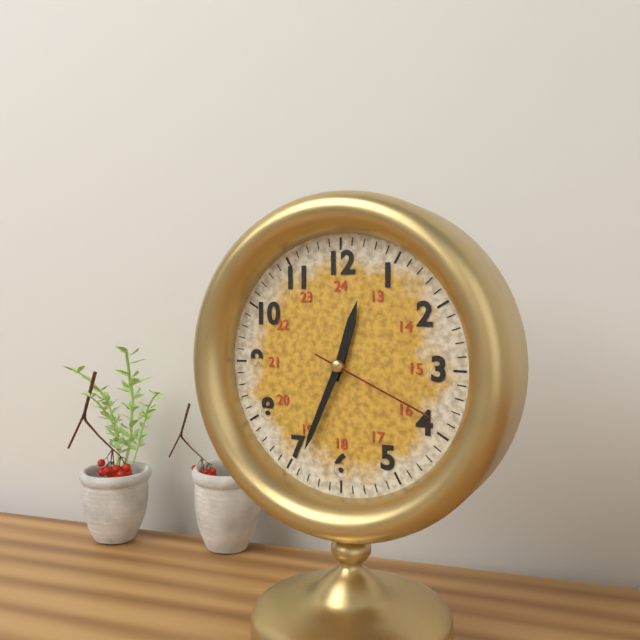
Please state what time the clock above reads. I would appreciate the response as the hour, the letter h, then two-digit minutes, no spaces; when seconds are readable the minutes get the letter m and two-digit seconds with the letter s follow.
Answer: 12h34m19s
